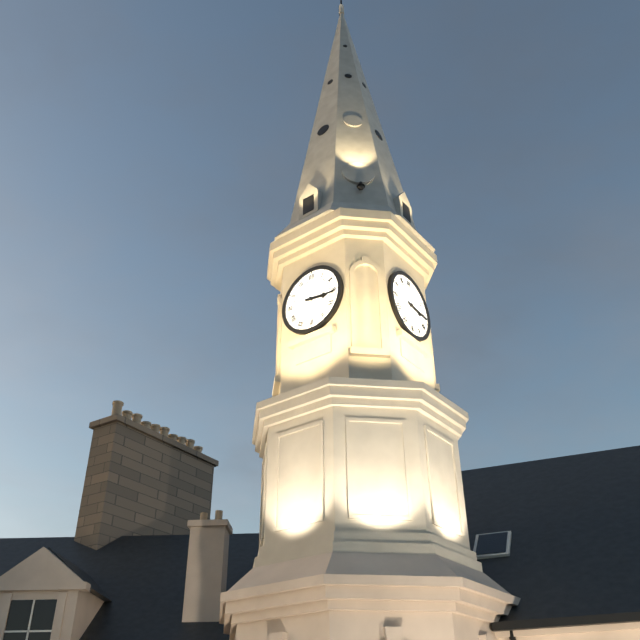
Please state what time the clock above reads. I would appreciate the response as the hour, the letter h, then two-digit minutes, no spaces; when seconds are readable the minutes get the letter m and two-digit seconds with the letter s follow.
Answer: 3h16
